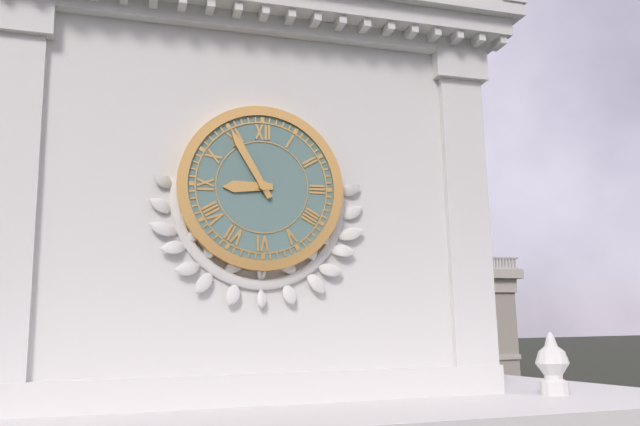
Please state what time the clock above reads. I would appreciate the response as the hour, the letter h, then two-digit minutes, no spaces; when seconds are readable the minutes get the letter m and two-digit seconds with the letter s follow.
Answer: 8h55
